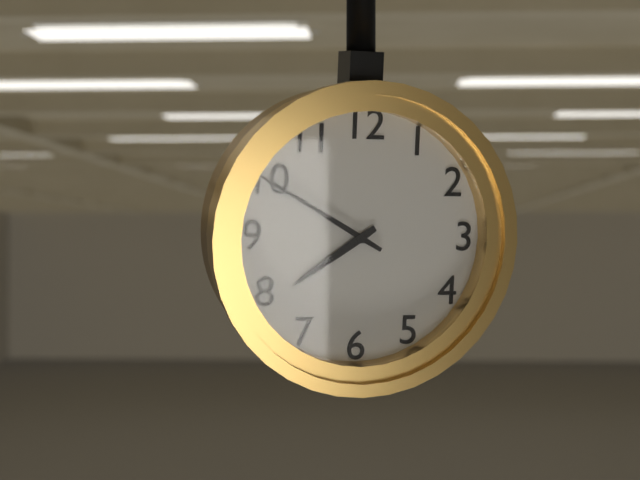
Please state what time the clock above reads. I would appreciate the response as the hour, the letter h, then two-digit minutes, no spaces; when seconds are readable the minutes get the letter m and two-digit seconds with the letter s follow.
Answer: 7h50
